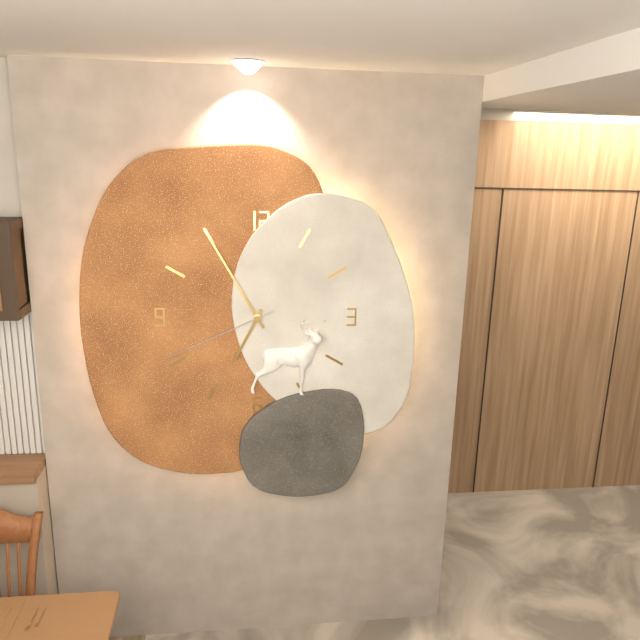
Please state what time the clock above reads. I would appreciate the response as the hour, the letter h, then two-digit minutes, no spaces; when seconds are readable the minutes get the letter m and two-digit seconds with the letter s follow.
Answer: 6h55m41s
